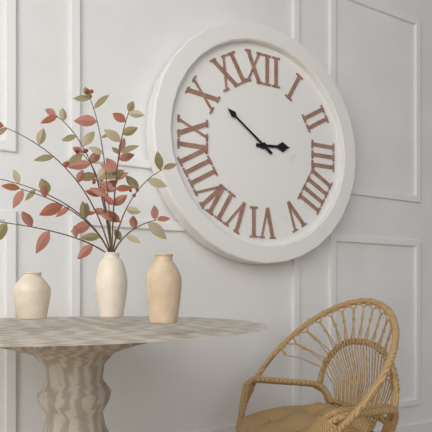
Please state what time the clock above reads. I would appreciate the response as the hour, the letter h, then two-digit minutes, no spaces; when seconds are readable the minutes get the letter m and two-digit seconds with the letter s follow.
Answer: 2h51
